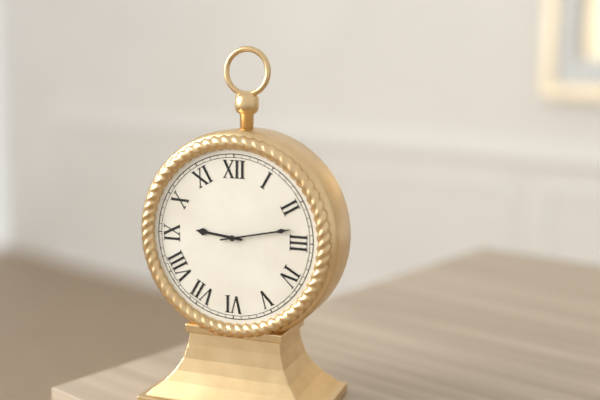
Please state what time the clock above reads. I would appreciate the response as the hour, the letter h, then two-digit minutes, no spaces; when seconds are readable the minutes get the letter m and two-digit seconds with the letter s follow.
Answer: 9h13
